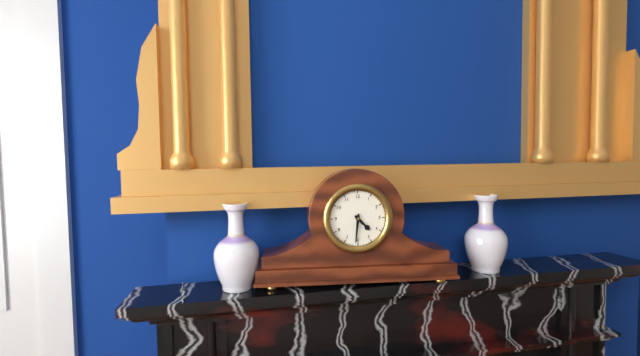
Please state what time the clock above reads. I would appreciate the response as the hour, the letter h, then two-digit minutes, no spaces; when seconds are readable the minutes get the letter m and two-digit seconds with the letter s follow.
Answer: 4h31
